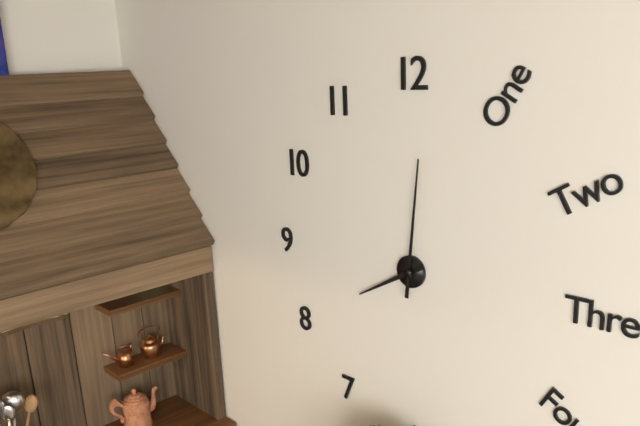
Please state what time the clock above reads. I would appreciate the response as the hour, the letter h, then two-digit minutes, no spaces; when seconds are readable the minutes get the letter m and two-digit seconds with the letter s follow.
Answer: 8h01
